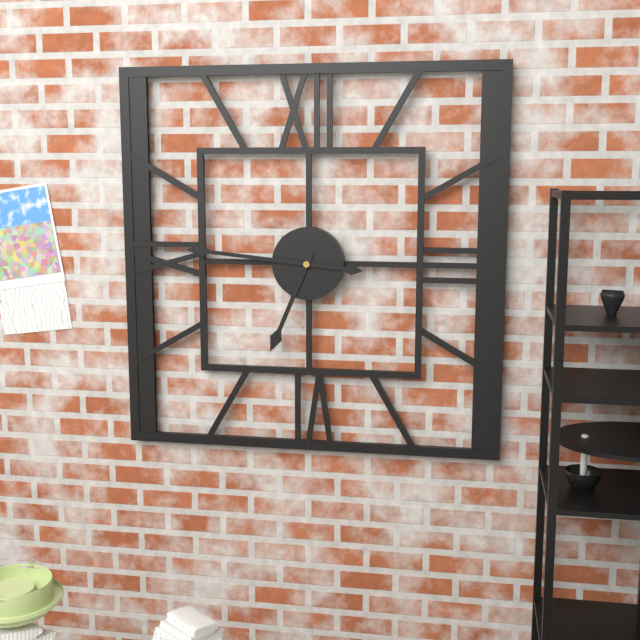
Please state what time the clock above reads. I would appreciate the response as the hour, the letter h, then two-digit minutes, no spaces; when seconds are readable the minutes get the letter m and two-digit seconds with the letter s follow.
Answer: 6h46
